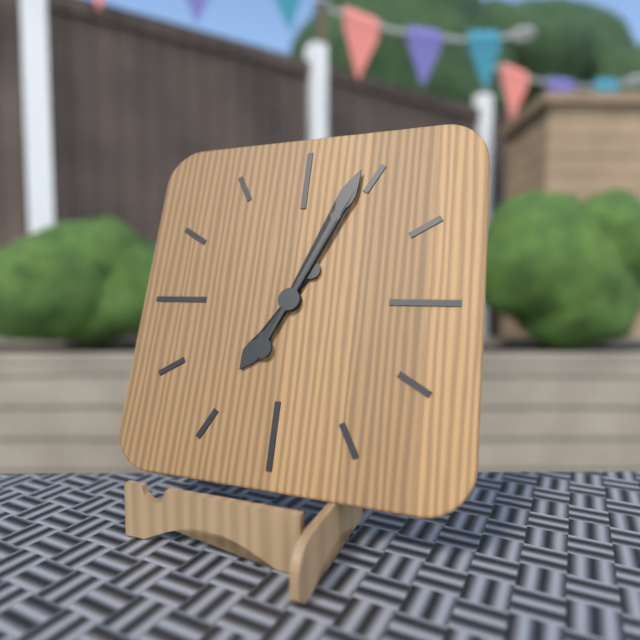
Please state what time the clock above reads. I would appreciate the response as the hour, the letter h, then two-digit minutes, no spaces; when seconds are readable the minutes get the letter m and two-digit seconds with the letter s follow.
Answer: 7h04
